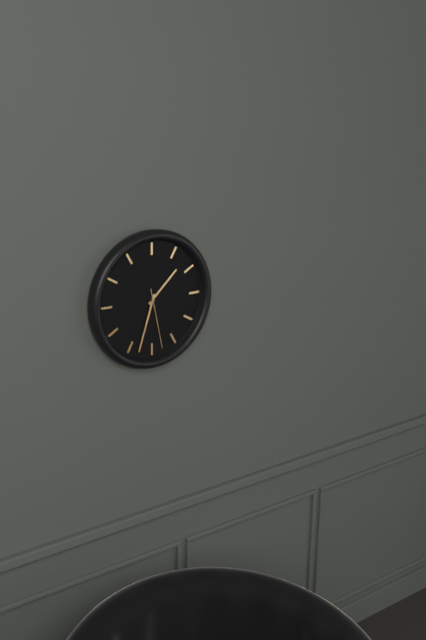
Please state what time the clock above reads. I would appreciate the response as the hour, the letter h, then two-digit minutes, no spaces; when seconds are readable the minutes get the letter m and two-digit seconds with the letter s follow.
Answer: 1h33m28s
